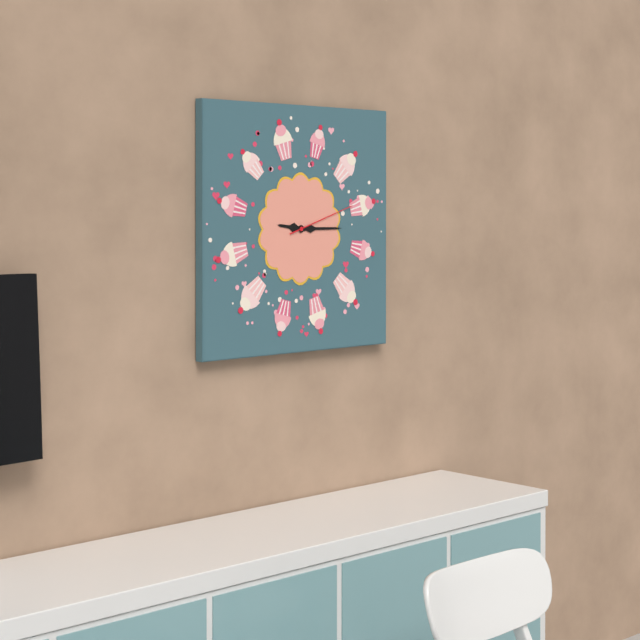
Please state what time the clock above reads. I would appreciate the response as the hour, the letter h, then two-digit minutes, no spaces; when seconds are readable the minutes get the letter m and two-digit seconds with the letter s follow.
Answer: 9h15m12s
